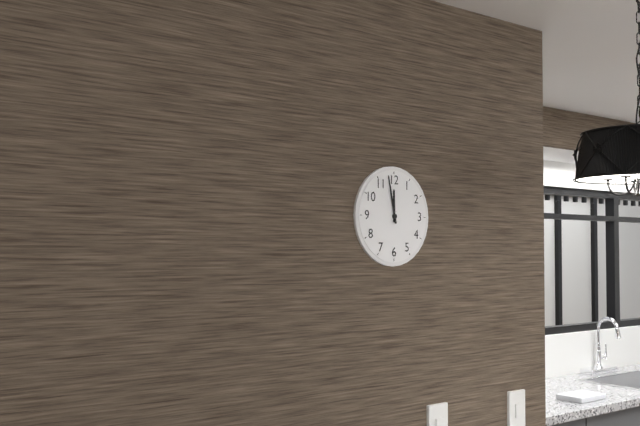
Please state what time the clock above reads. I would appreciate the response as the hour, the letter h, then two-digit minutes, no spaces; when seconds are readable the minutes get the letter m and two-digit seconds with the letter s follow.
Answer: 11h58
